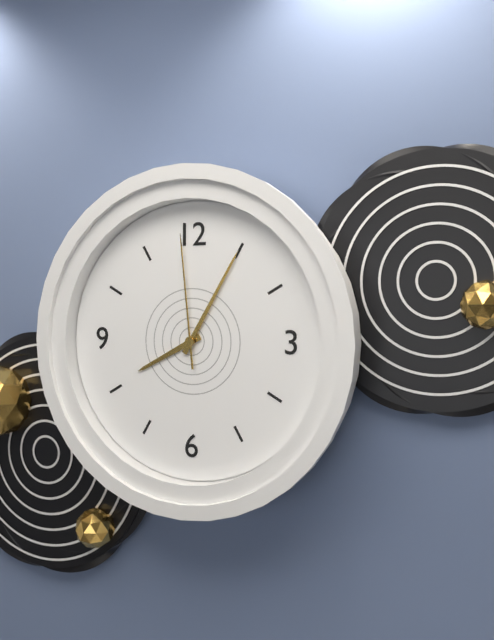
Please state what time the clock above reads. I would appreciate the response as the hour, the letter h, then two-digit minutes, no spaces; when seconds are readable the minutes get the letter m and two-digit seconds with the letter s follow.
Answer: 8h05m59s
